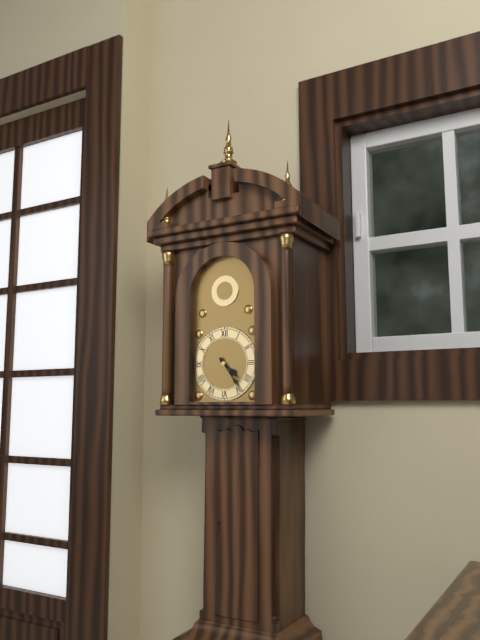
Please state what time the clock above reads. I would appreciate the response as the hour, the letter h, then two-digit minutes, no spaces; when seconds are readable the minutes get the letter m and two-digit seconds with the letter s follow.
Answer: 4h24
